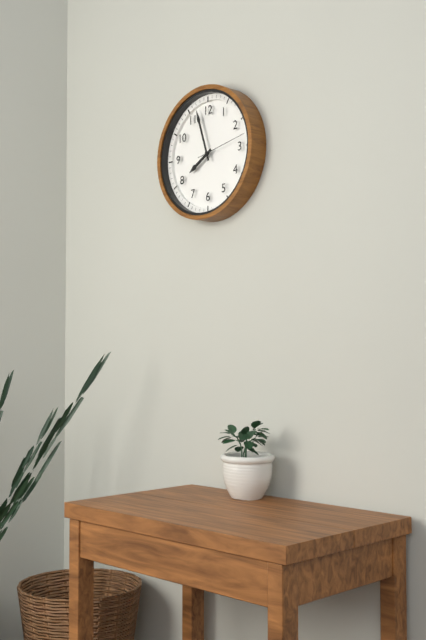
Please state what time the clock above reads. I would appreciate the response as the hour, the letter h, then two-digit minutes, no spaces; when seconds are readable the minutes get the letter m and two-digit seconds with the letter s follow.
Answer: 7h57m13s
